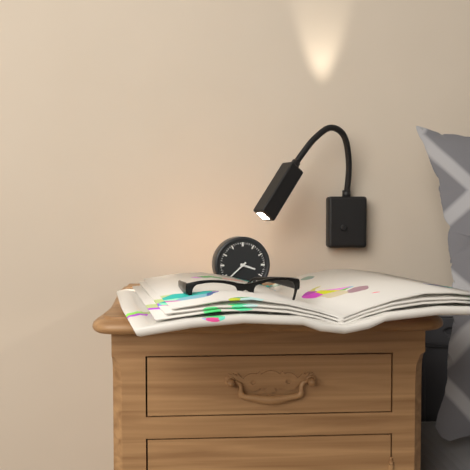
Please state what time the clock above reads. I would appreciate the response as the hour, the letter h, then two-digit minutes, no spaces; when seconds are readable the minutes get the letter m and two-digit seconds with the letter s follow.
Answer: 3h38
